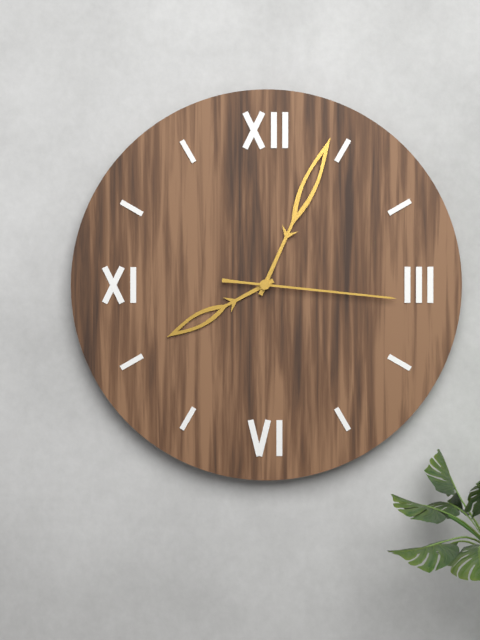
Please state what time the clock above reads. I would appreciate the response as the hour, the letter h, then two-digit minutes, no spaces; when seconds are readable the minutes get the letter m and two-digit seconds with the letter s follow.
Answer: 8h04m16s
